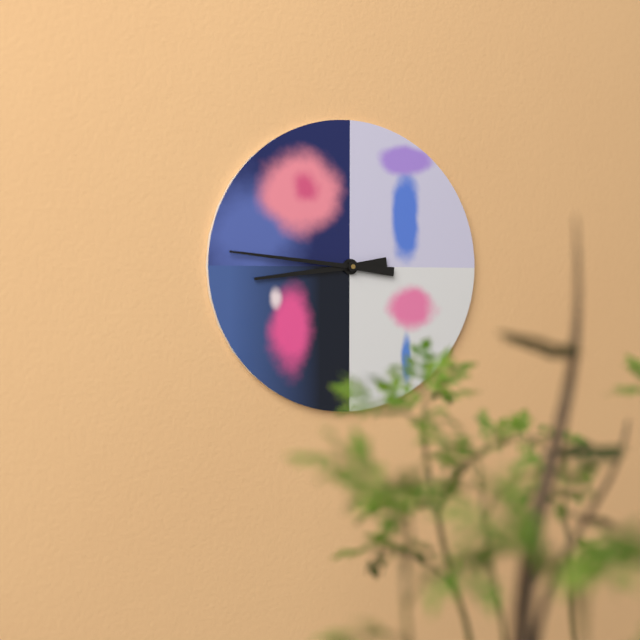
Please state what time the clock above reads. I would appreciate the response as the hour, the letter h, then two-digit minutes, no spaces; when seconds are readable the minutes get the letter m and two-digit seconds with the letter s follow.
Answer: 8h46
